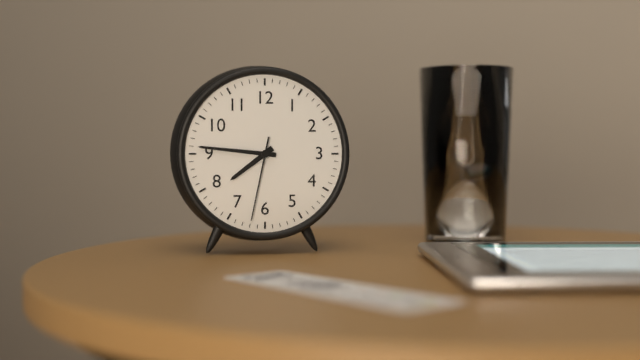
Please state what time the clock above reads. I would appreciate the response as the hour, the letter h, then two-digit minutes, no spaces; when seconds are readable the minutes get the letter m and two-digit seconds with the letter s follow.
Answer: 7h46m32s
